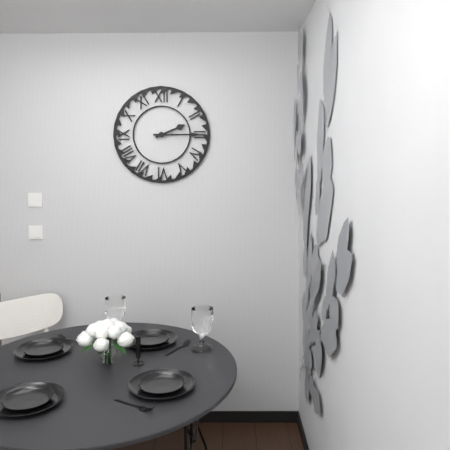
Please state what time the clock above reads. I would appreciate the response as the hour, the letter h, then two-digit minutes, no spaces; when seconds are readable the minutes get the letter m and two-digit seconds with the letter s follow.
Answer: 2h15
